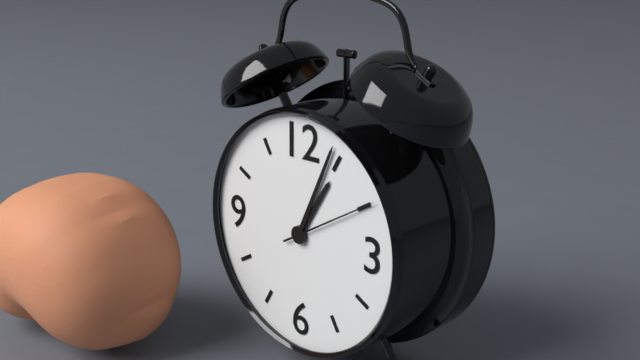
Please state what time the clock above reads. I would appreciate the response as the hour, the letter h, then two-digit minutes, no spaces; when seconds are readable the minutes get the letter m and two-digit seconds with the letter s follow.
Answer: 1h04m10s
